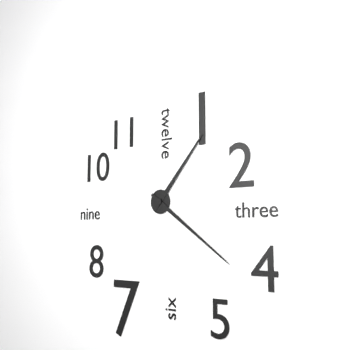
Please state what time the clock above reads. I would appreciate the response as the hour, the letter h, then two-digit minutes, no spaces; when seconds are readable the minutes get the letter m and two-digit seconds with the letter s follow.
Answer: 1h21
